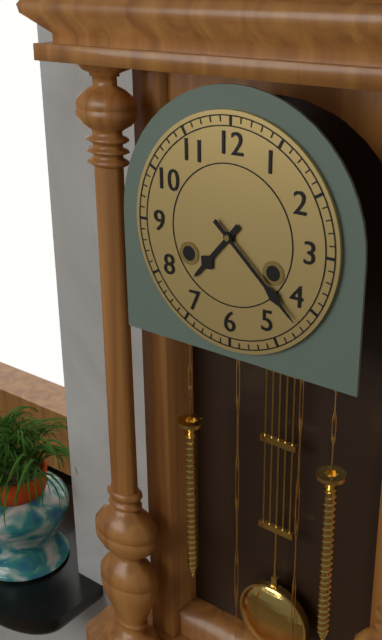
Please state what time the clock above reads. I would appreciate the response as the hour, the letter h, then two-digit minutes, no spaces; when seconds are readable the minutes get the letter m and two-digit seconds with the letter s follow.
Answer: 7h22
